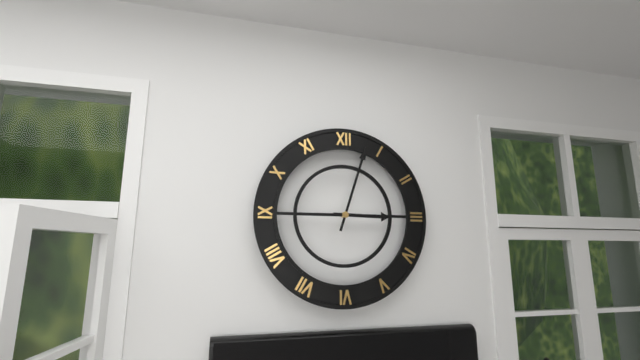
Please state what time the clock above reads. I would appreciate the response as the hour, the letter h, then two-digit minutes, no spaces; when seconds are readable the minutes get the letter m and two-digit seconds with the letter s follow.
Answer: 3h03
